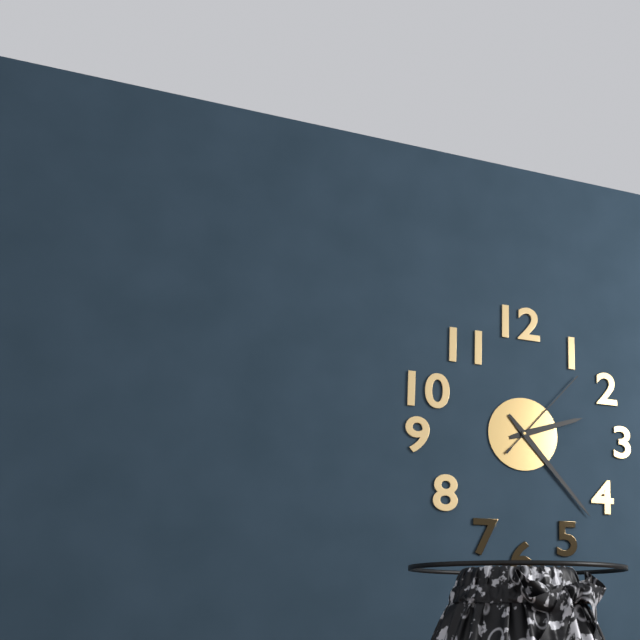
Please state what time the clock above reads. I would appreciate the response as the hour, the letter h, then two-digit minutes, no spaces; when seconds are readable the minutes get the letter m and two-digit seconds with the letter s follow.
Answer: 2h23m07s
